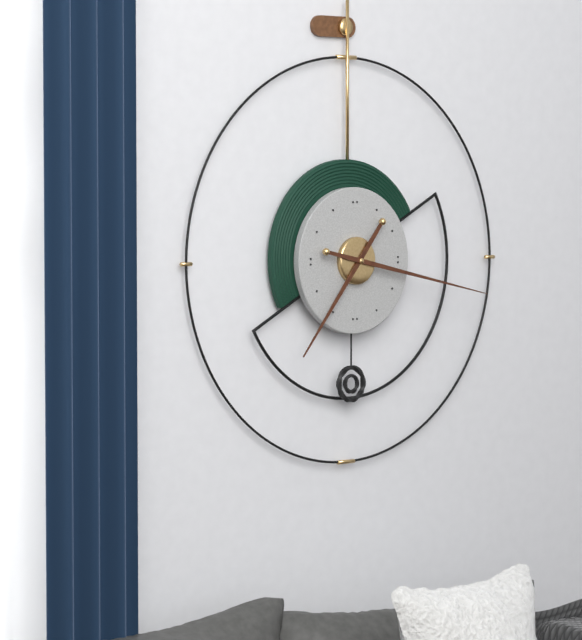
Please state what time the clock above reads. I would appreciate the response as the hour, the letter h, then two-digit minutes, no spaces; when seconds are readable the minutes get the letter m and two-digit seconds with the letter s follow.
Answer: 7h17
